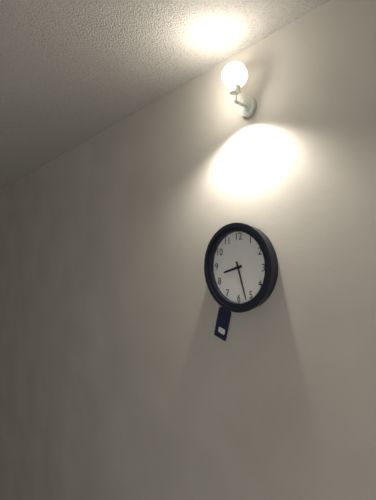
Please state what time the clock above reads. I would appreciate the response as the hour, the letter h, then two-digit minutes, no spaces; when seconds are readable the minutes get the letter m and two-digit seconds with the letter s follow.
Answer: 8h27
